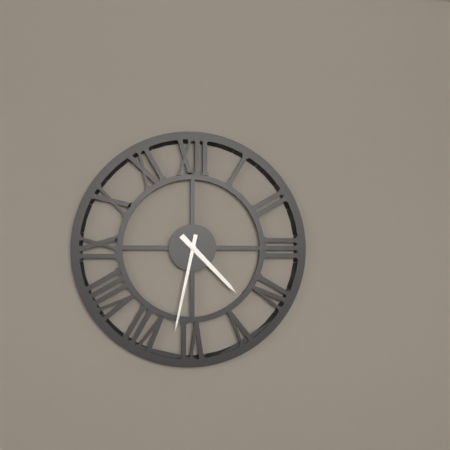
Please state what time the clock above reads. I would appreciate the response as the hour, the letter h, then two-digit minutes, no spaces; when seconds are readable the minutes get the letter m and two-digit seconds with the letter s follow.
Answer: 4h32
